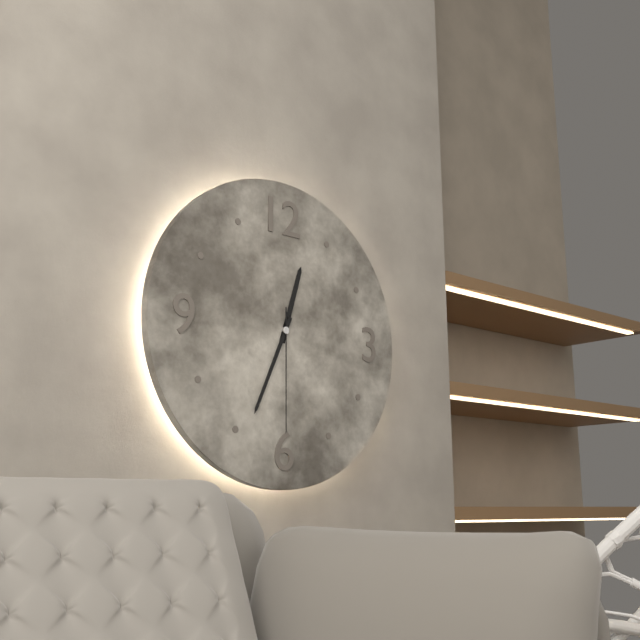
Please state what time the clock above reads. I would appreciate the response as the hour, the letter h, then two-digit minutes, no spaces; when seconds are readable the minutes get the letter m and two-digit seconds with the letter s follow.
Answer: 12h34m30s
